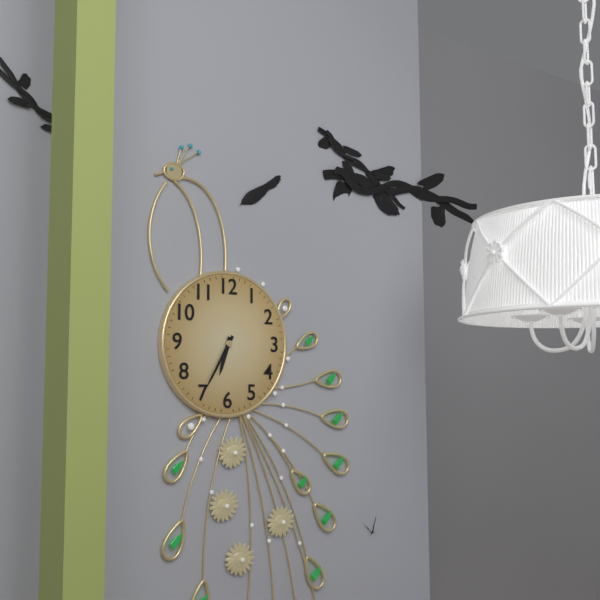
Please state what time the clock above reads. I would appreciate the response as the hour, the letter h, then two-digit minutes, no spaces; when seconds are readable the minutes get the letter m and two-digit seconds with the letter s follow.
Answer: 6h35
